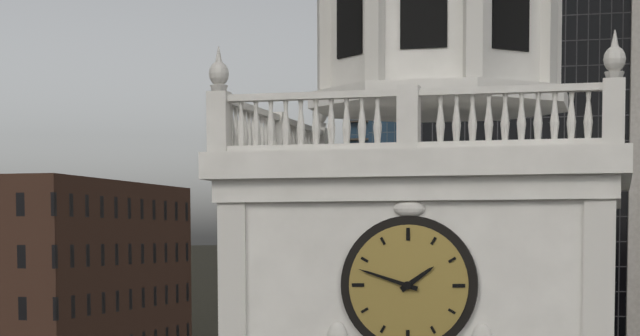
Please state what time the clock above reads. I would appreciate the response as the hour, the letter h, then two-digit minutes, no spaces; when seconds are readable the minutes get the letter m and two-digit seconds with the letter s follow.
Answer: 1h48
